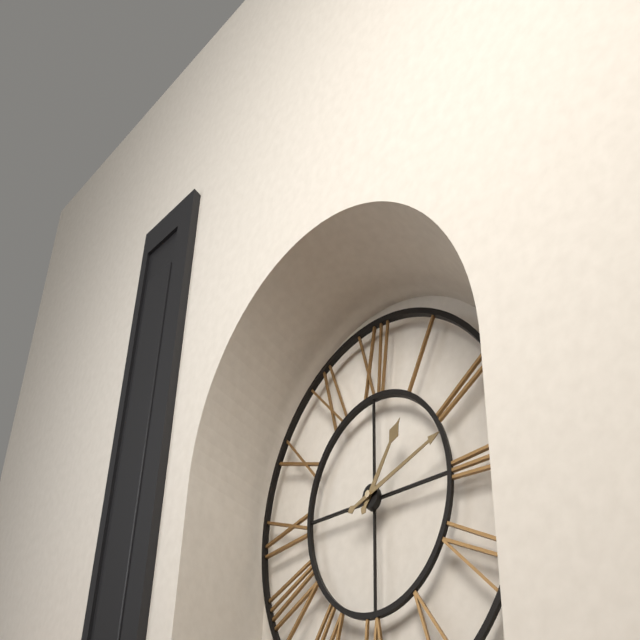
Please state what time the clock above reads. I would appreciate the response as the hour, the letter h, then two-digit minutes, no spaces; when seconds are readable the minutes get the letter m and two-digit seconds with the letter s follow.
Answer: 1h12
